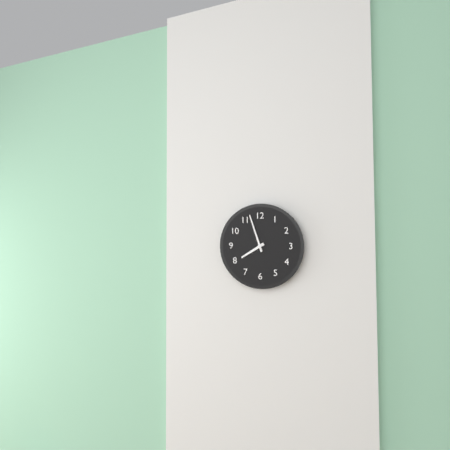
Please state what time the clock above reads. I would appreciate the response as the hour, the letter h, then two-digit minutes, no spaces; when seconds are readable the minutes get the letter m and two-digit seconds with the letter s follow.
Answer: 7h57
